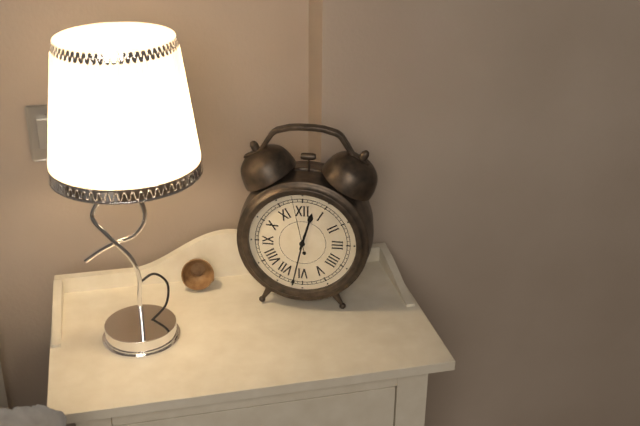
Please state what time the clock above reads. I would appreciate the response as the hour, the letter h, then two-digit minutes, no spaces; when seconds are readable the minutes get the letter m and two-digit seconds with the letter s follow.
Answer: 12h32m58s
